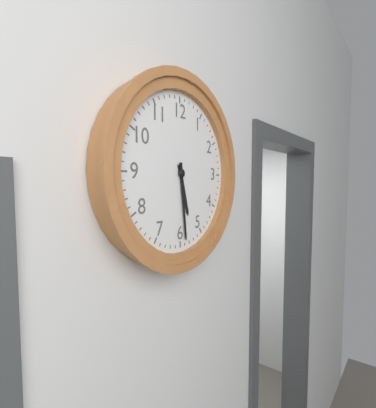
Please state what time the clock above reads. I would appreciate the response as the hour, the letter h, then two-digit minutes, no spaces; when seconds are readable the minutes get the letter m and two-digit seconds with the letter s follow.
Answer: 5h29
